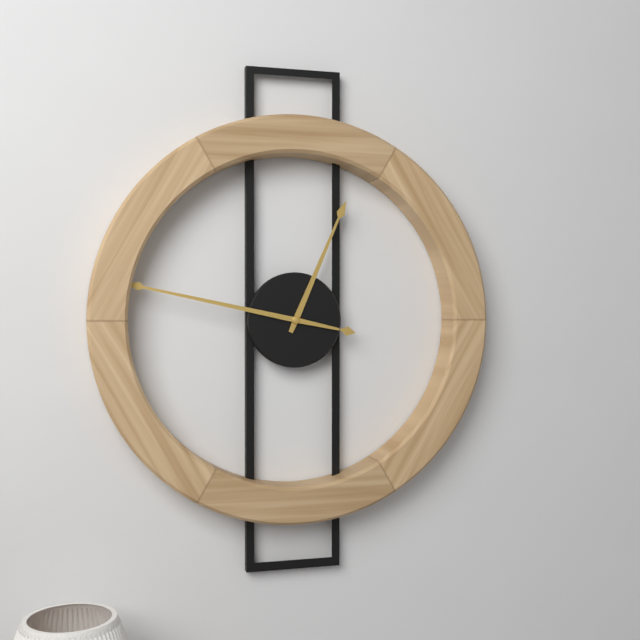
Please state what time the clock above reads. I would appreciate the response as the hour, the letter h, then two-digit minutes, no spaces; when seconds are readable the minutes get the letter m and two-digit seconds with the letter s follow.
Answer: 12h47
